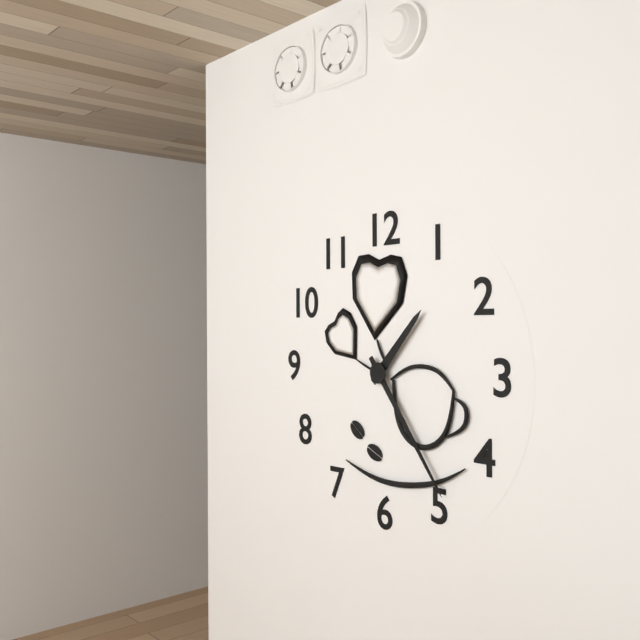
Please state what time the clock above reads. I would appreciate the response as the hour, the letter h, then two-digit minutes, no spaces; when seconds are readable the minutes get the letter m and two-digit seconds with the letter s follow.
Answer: 1h24
